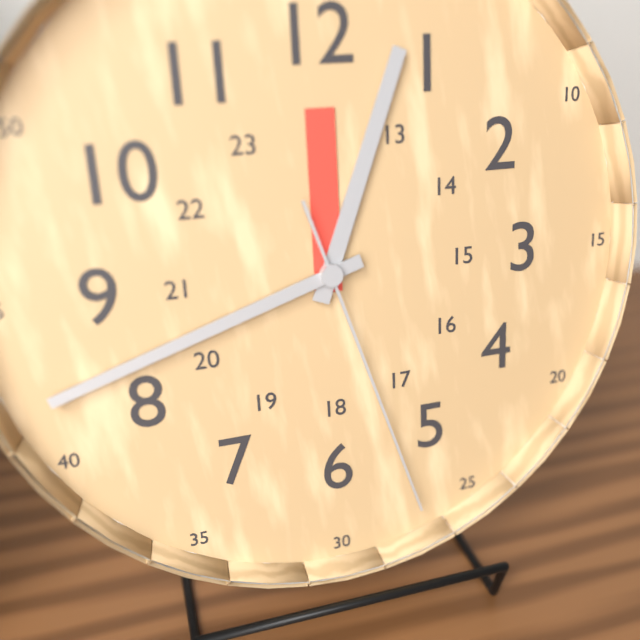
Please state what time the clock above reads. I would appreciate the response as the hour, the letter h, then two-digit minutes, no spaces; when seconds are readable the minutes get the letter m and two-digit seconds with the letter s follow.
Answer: 12h42m27s
